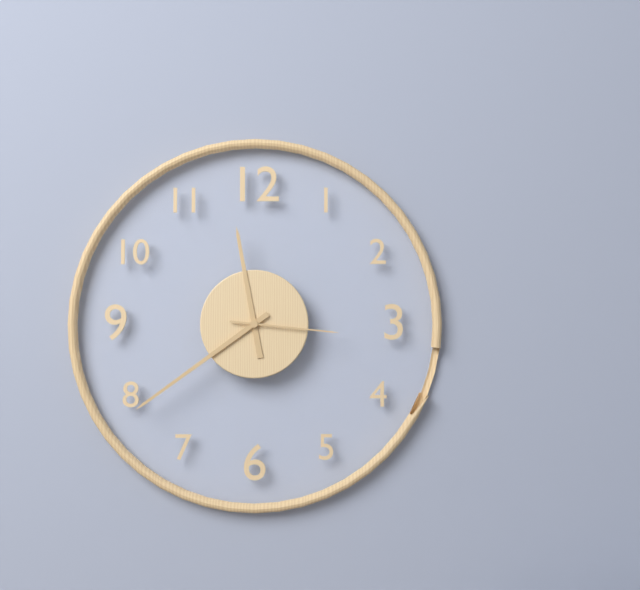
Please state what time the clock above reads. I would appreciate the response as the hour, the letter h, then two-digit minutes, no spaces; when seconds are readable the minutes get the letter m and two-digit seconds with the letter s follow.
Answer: 11h39m16s
